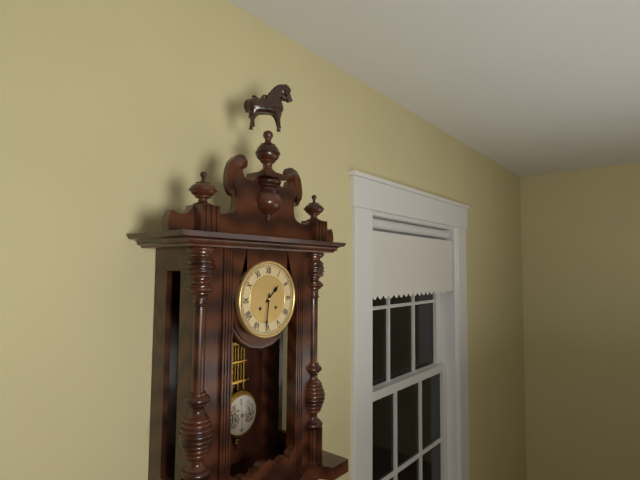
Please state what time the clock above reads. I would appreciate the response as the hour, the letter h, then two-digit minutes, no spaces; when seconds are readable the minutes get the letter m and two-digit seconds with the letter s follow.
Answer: 1h31
